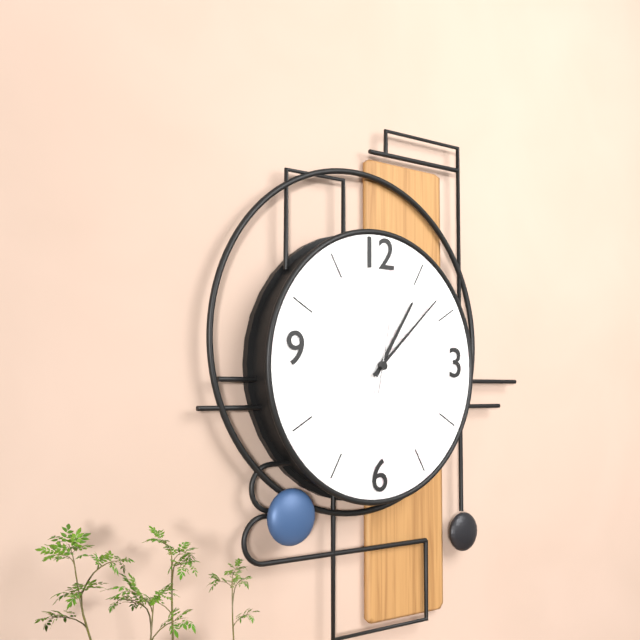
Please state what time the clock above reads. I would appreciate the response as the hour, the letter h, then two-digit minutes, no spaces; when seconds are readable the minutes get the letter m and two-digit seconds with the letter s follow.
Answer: 1h08m02s
